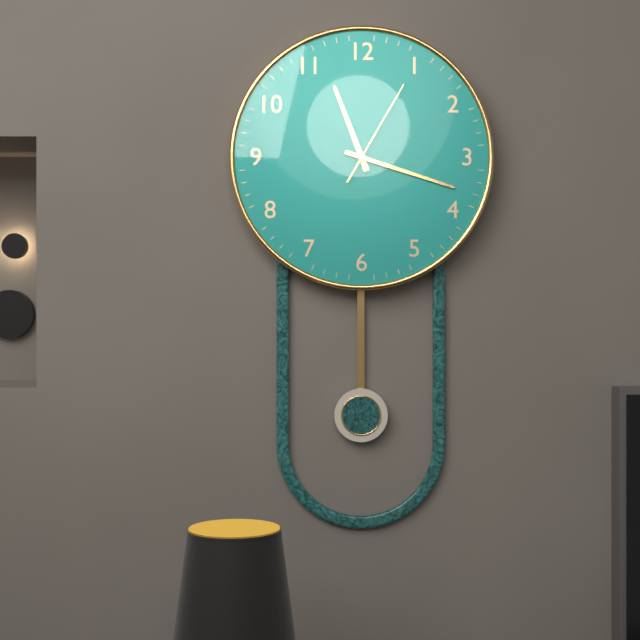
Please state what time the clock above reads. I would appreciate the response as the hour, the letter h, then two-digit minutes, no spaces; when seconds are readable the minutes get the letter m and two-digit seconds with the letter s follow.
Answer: 11h18m05s
